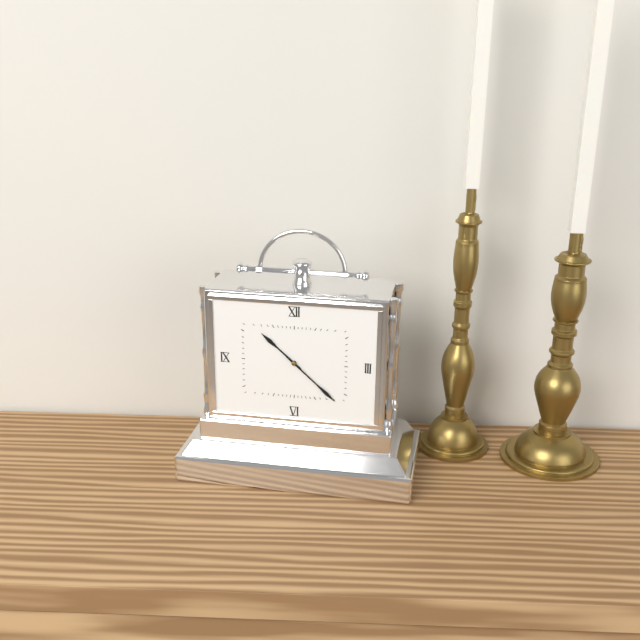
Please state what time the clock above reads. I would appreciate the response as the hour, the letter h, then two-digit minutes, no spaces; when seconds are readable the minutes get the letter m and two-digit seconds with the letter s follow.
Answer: 10h22
